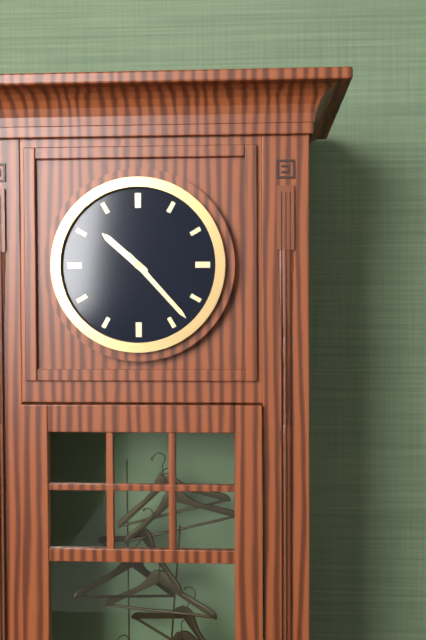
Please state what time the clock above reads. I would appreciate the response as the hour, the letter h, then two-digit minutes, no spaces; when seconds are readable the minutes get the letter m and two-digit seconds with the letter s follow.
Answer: 10h23
